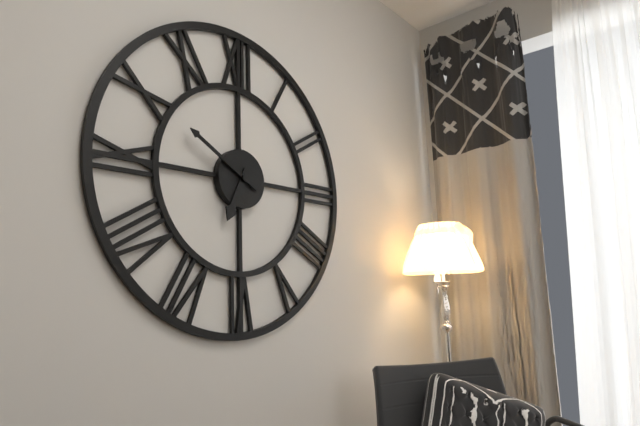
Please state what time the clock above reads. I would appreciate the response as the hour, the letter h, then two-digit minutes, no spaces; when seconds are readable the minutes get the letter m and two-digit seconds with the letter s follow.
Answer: 6h50
